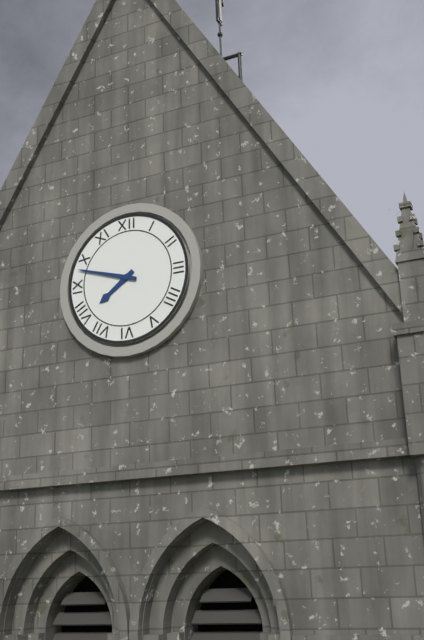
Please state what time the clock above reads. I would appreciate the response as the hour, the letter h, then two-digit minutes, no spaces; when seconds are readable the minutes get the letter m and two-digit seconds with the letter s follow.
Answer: 7h48
